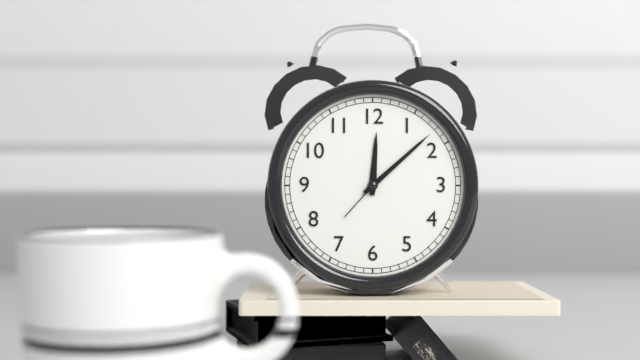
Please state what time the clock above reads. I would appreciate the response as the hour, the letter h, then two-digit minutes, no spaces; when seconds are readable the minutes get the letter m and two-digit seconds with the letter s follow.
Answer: 12h08m37s
